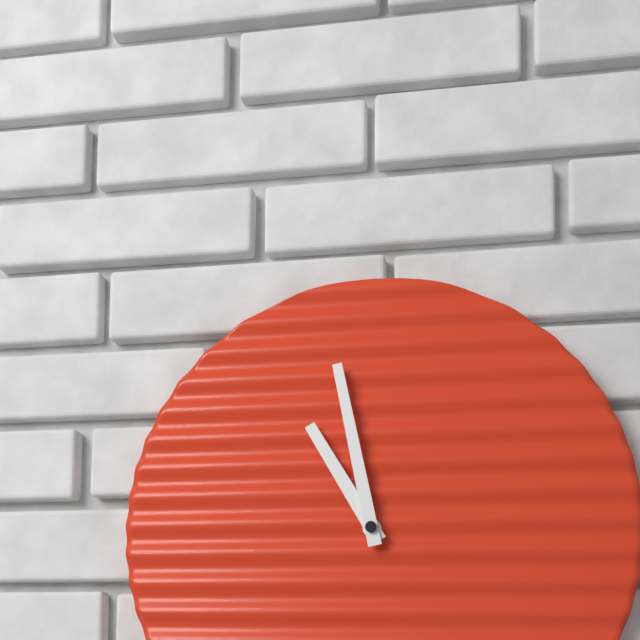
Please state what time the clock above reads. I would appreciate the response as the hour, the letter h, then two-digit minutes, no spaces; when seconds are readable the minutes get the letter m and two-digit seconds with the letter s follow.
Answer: 10h58
